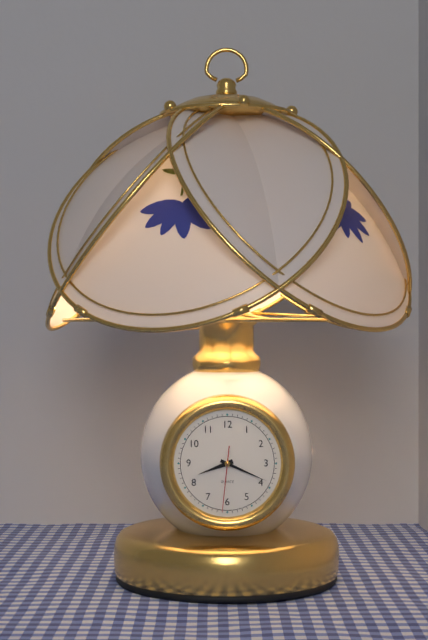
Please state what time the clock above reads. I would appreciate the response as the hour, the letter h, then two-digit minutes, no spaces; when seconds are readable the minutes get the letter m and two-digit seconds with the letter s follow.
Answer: 8h19m31s
